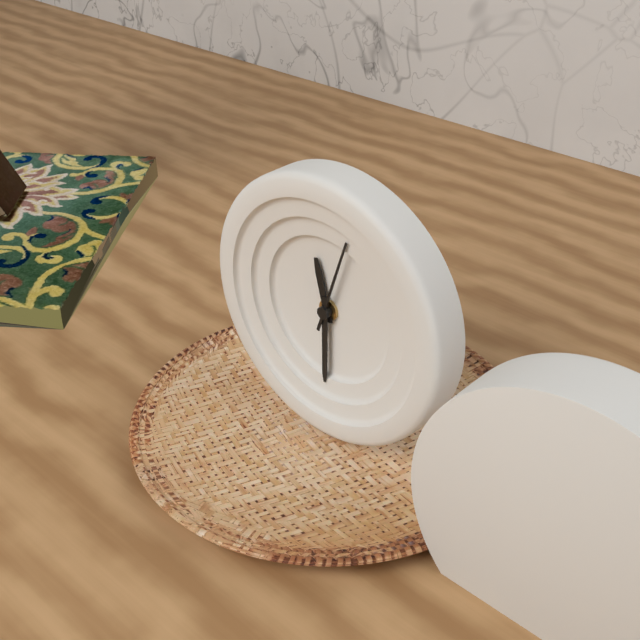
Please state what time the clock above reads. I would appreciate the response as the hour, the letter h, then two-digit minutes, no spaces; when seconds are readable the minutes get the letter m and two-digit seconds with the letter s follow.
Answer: 11h30m03s
